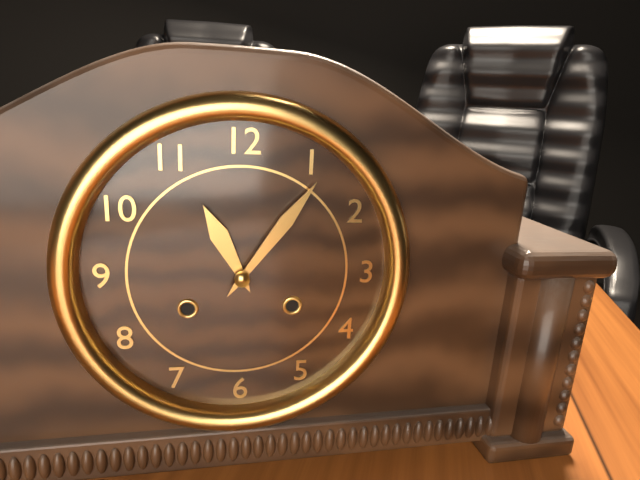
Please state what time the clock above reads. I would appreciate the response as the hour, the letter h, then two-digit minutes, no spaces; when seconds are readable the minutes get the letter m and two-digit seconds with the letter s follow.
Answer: 11h06
